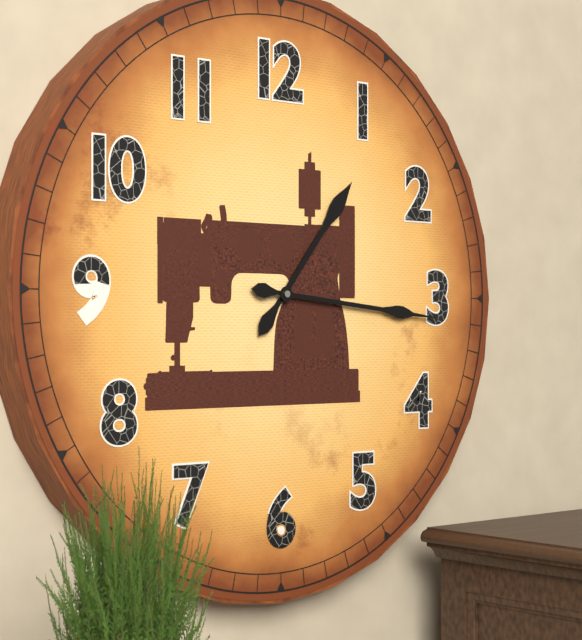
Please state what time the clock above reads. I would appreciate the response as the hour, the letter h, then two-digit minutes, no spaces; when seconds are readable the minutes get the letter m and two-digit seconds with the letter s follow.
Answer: 1h16
